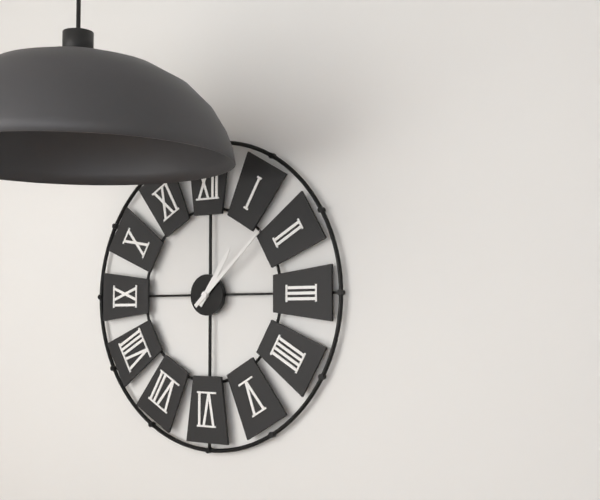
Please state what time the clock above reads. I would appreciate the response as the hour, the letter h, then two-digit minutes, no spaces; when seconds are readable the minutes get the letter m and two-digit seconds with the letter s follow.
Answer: 1h08
